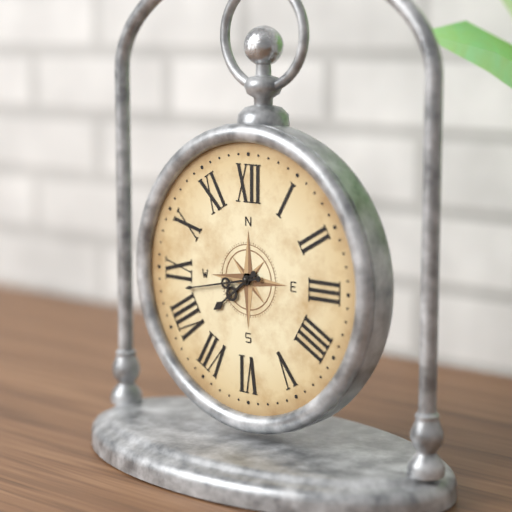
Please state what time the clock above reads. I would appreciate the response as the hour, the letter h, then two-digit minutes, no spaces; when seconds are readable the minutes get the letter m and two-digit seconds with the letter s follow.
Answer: 7h43
